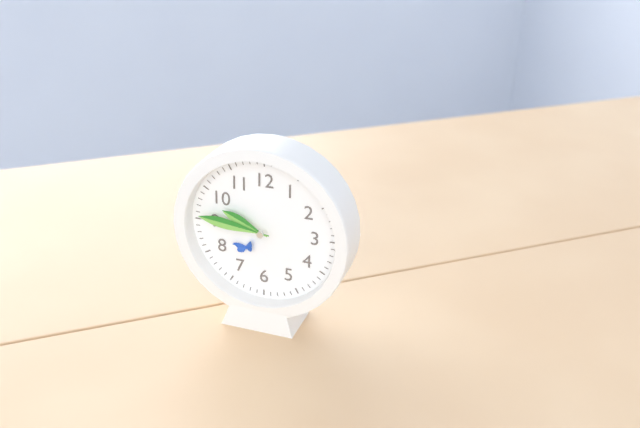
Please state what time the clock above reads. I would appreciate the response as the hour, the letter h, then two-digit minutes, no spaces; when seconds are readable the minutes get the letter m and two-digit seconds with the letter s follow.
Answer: 9h46
